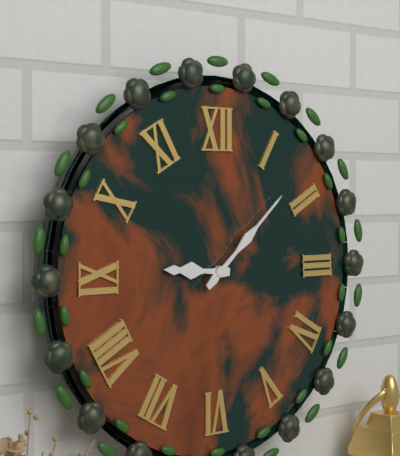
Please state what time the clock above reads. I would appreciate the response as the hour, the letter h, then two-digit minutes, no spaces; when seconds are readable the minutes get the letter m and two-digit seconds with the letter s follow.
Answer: 9h08
